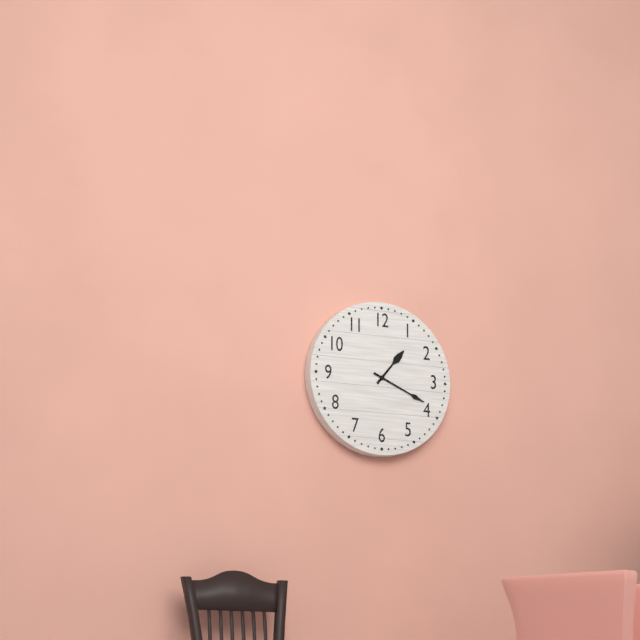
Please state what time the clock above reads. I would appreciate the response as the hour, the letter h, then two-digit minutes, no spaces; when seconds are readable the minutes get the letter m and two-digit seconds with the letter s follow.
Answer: 1h19
